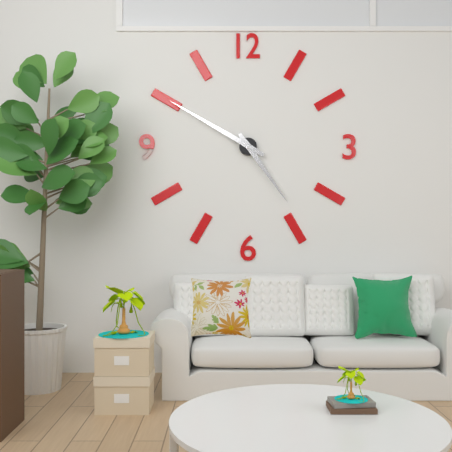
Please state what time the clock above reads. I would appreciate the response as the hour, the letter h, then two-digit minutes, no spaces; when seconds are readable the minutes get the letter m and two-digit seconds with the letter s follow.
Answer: 4h50
